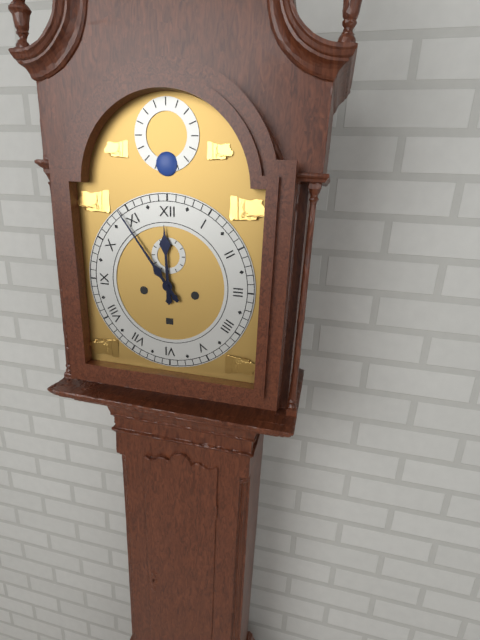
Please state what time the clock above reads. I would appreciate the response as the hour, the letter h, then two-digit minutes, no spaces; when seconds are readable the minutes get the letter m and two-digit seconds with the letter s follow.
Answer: 11h54
